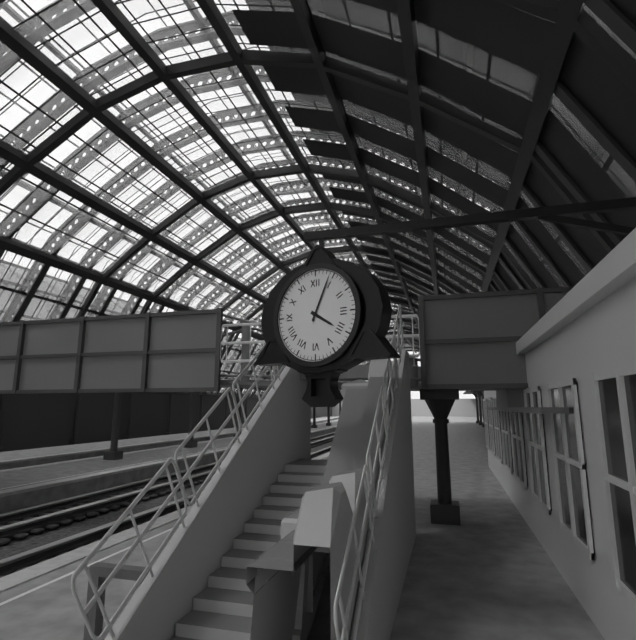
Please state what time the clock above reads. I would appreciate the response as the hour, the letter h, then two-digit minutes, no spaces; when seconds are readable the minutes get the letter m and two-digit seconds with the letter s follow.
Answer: 4h04
